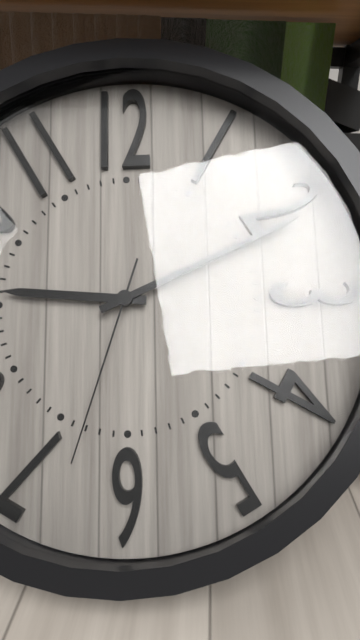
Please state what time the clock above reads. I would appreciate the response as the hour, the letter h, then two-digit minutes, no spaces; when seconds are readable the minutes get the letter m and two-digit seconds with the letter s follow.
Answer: 9h11m33s
